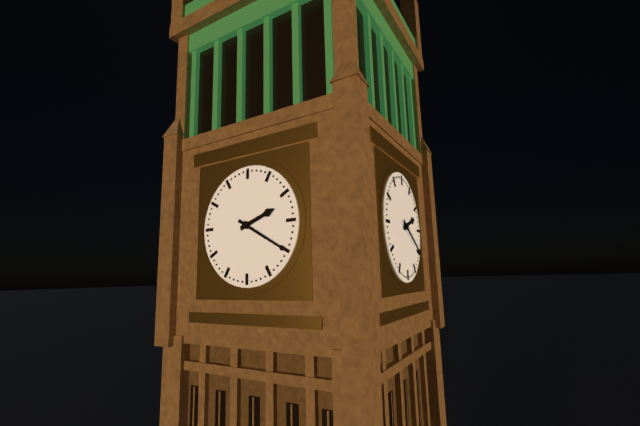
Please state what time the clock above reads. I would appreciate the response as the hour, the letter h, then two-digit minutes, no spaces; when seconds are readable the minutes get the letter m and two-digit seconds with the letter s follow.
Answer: 2h20
